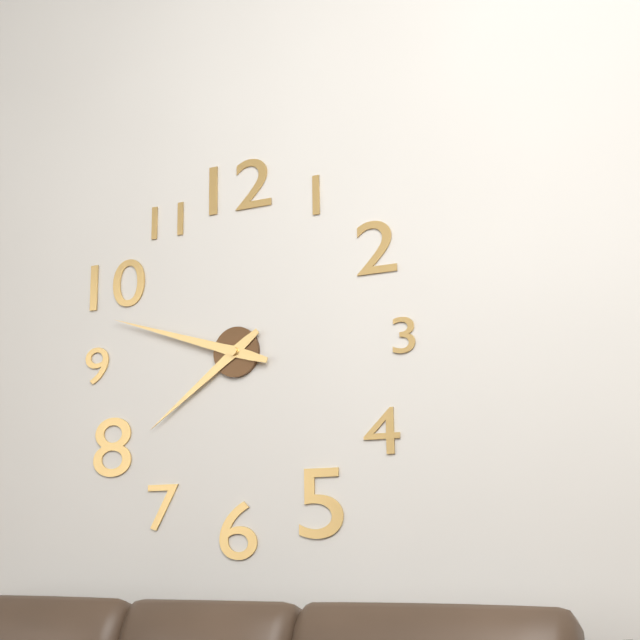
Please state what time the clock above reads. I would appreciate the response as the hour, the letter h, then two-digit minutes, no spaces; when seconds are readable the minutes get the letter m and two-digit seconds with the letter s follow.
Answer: 7h48
